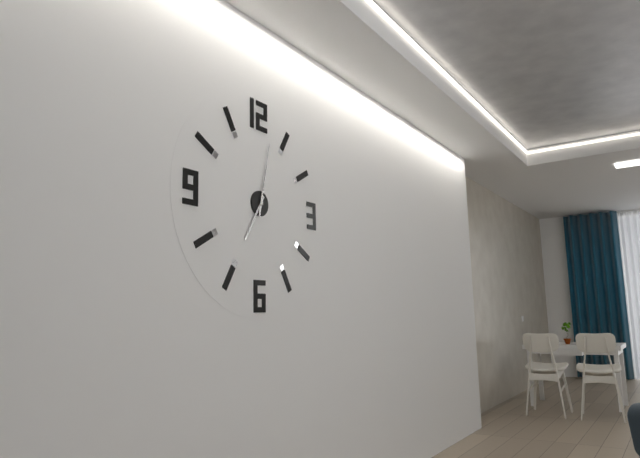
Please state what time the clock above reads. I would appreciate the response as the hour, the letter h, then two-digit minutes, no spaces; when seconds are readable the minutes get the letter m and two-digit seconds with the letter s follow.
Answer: 7h02
